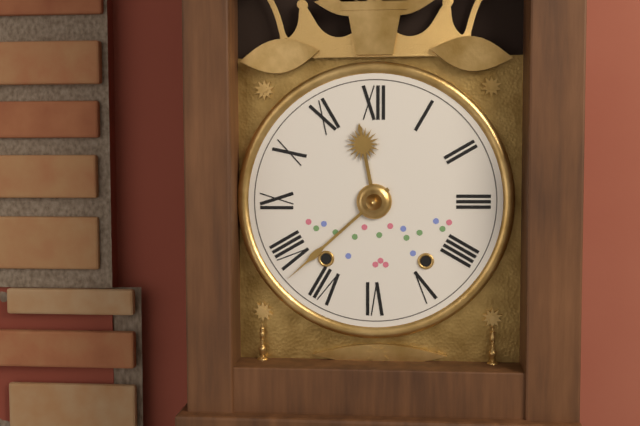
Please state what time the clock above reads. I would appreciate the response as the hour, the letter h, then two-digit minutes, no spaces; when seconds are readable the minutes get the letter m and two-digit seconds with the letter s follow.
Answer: 11h38
